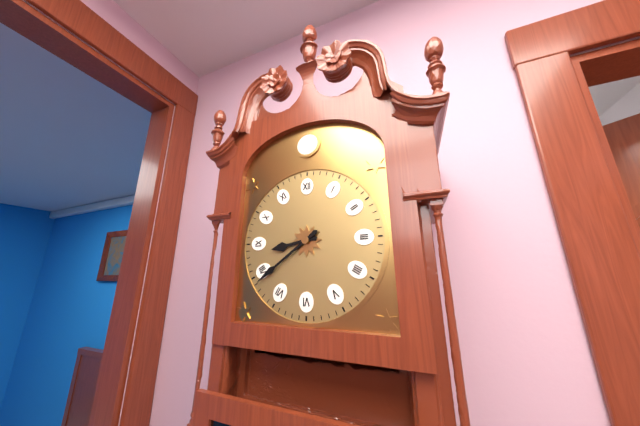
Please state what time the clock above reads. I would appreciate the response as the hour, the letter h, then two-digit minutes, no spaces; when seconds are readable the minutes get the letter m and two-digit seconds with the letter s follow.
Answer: 8h39
